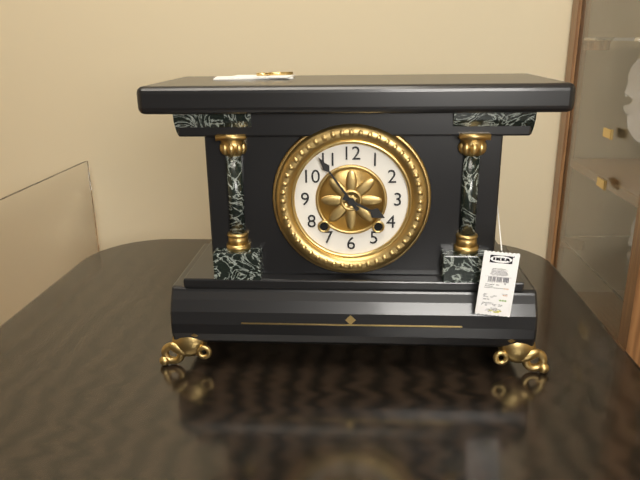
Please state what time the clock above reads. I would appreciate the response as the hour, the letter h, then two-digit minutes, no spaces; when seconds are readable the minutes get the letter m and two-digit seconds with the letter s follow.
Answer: 3h54
